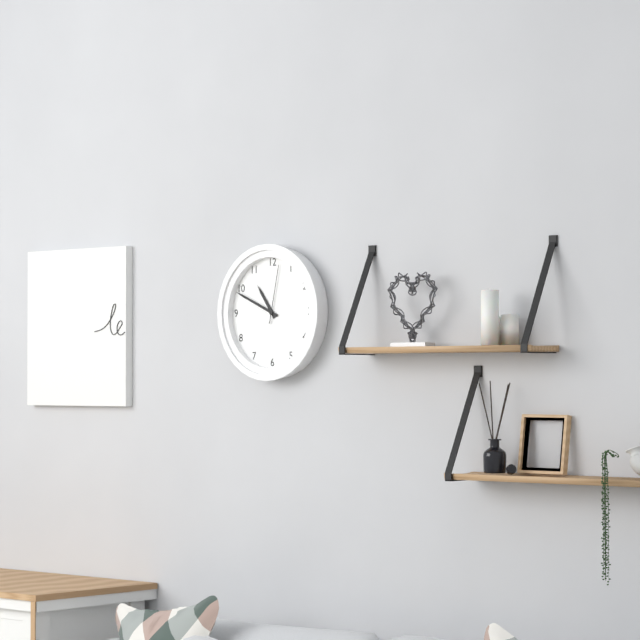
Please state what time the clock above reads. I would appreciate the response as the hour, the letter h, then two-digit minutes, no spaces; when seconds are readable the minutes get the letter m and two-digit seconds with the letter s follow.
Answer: 10h49m02s
